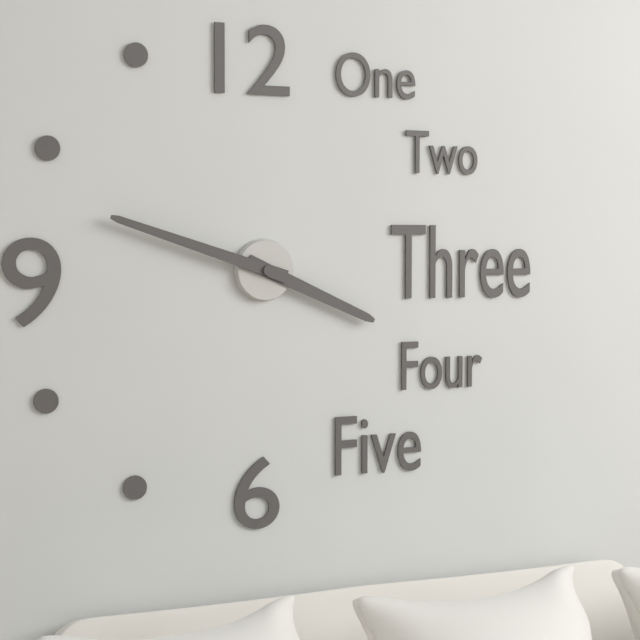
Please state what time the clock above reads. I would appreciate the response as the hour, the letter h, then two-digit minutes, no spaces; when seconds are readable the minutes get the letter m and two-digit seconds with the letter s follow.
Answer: 3h48
